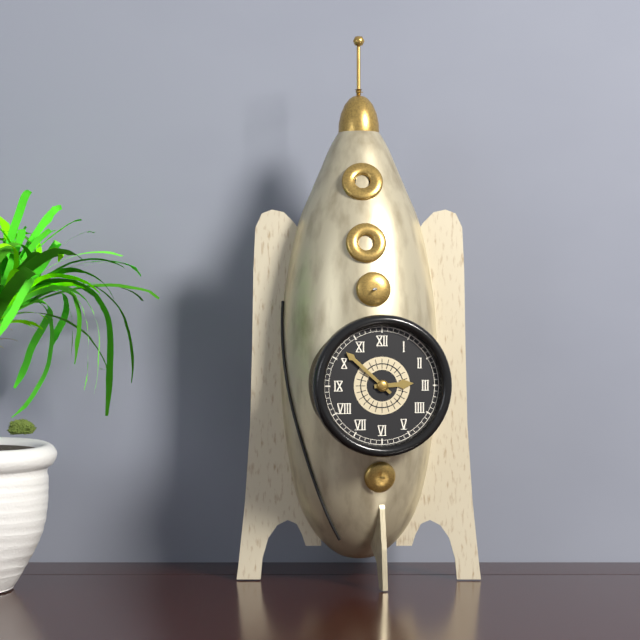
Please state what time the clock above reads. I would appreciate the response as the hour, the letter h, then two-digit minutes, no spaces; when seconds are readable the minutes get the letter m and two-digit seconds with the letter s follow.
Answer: 2h52
